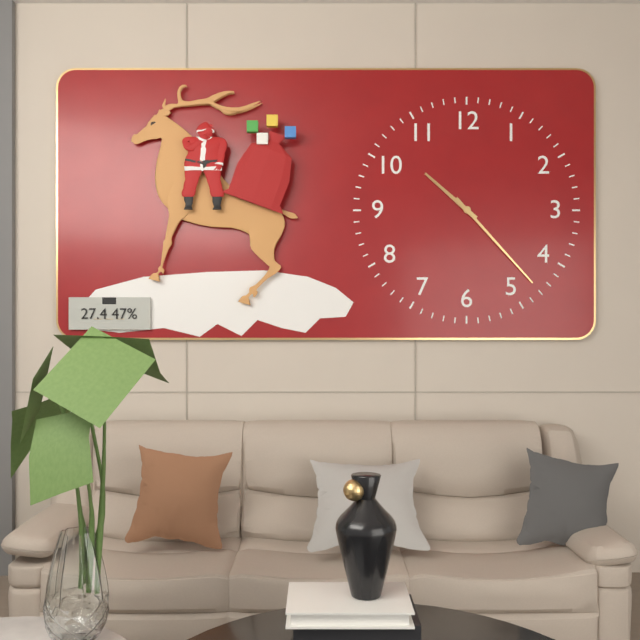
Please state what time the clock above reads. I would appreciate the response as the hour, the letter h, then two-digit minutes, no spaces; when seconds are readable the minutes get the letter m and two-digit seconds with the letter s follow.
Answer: 10h23
